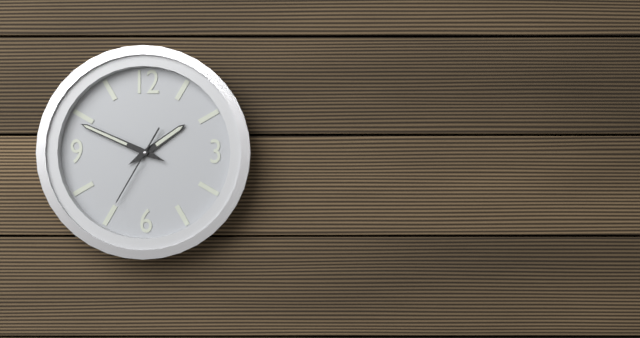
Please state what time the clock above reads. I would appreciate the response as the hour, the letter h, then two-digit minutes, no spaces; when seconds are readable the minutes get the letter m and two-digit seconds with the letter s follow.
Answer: 1h49m35s
